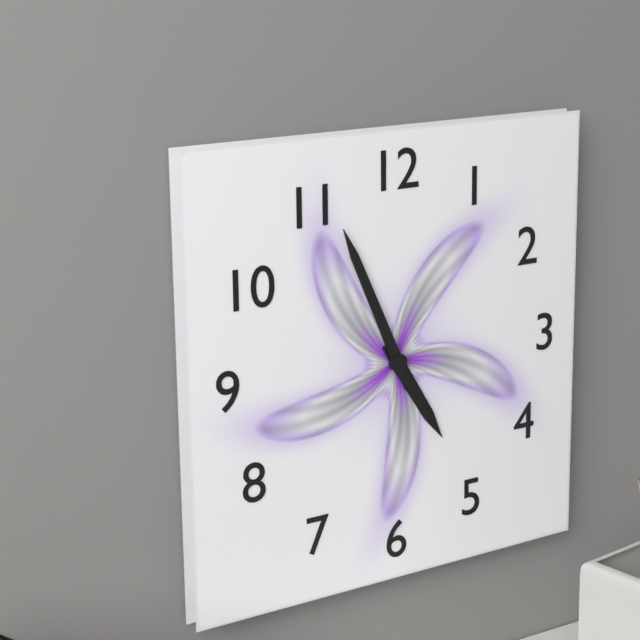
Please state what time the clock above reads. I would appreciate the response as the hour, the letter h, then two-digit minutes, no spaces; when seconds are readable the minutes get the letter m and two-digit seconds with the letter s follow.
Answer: 4h56
